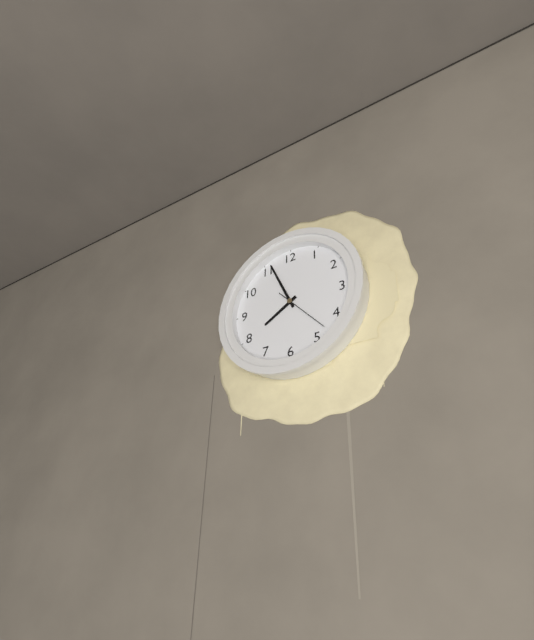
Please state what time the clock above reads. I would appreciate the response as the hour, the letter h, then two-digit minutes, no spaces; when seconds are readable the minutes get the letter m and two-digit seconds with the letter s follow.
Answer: 7h56m23s
